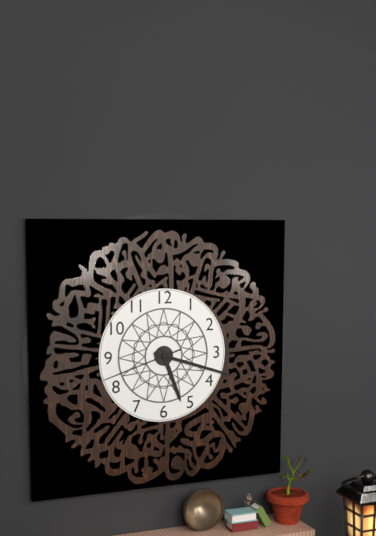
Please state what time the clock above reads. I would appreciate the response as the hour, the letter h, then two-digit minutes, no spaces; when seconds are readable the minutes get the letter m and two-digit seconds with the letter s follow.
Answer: 5h18m42s
